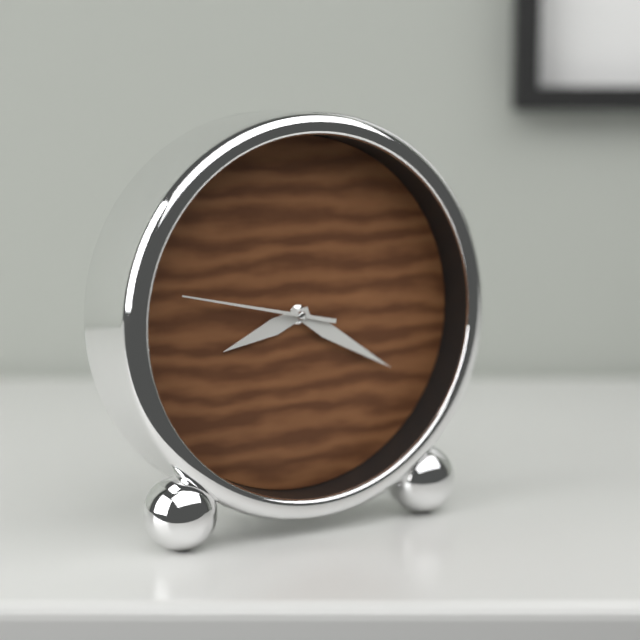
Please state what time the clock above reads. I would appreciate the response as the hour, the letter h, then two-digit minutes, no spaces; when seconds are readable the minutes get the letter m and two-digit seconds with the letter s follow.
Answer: 8h20m47s
